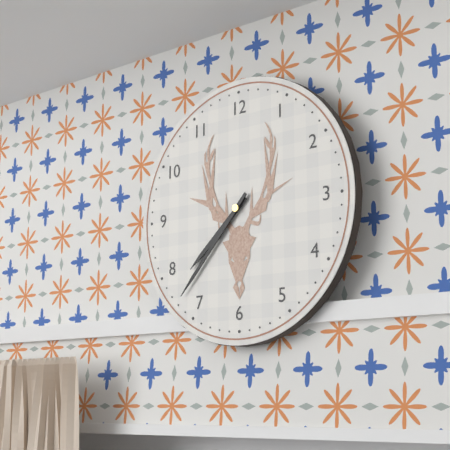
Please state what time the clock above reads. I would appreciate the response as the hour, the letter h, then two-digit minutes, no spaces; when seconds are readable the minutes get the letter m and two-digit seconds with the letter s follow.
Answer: 7h37
